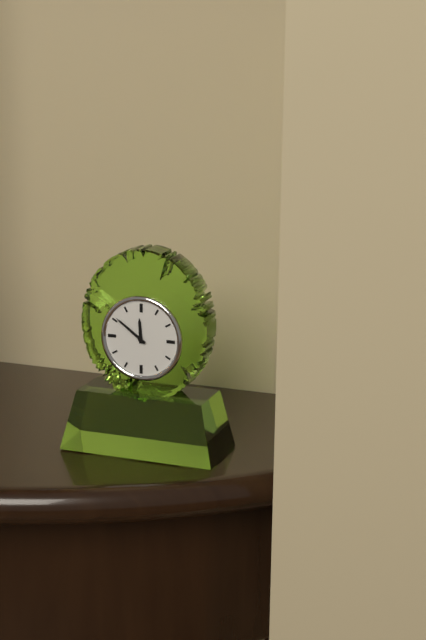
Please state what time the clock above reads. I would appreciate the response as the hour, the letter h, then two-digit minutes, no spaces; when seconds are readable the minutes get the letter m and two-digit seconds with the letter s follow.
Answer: 11h51
